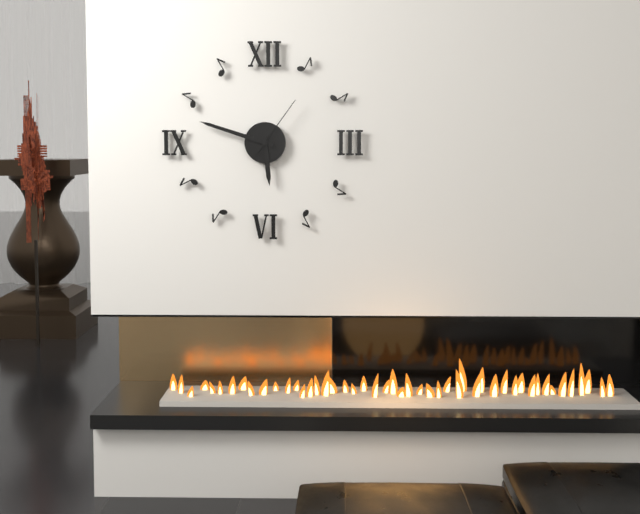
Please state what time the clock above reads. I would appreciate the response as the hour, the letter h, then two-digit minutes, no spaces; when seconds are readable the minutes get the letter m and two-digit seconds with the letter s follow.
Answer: 5h48m06s
